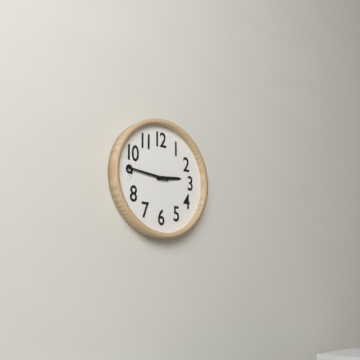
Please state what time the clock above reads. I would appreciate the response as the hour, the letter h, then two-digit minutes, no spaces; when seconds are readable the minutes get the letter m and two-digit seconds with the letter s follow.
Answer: 2h46
